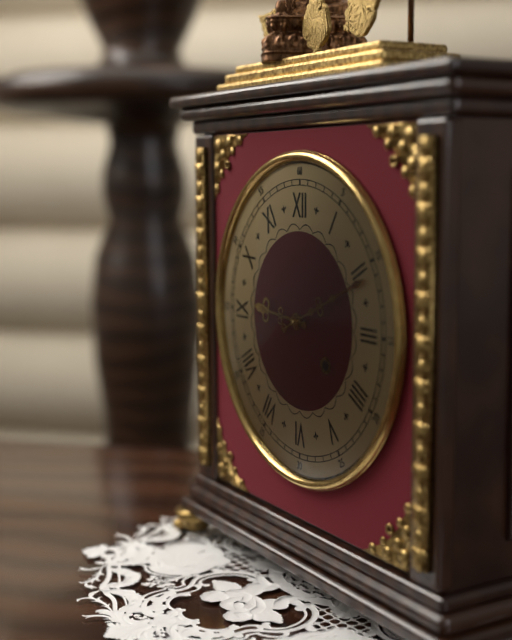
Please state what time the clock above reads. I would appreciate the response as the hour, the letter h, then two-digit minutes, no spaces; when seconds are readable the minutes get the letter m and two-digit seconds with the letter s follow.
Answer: 9h11
